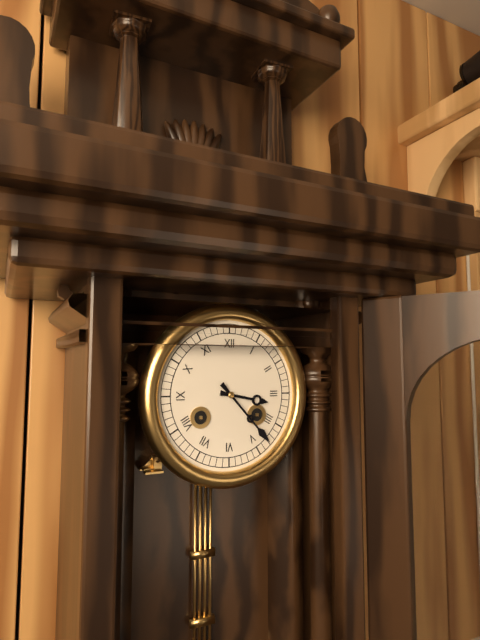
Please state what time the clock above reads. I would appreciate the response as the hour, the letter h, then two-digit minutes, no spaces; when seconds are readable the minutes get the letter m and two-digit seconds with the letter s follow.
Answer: 3h23
